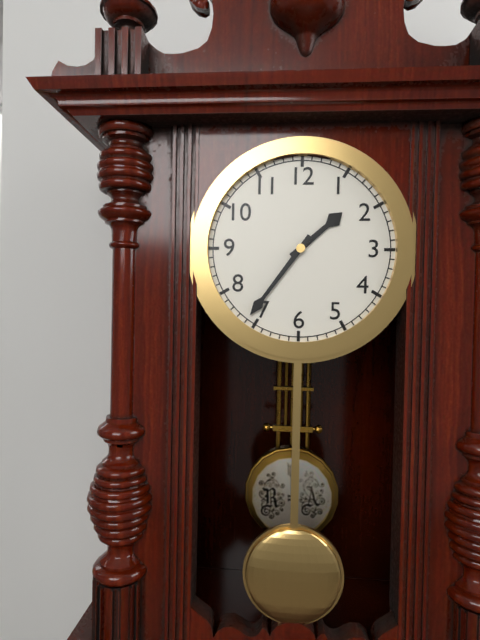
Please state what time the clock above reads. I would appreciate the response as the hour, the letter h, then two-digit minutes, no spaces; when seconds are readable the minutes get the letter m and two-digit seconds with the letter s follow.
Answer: 1h36
